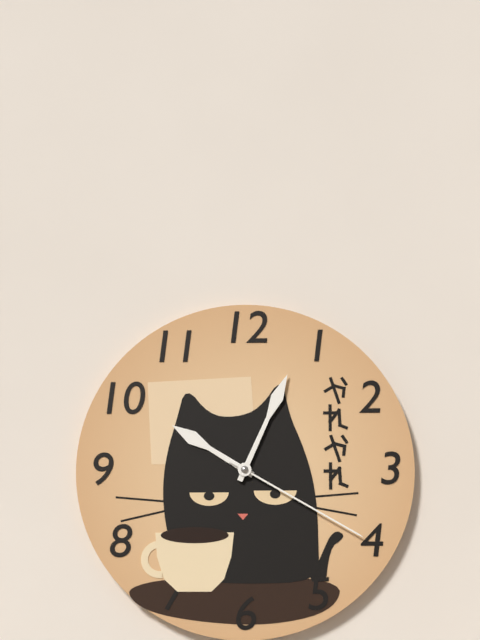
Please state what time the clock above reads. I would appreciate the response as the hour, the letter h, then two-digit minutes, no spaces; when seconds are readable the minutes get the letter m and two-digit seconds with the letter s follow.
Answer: 10h04m20s
